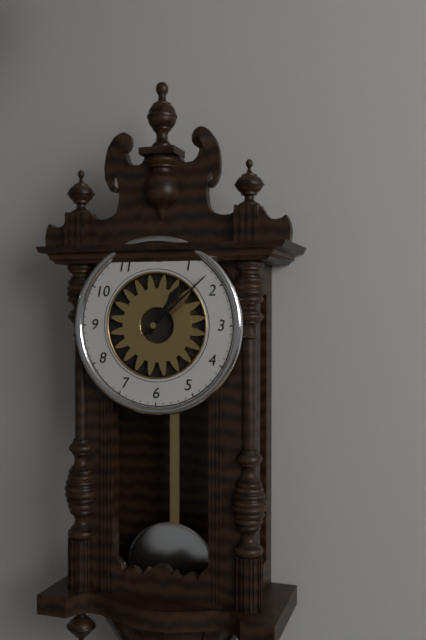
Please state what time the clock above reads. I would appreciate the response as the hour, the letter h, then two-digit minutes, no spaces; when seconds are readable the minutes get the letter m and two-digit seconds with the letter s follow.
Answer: 1h08
